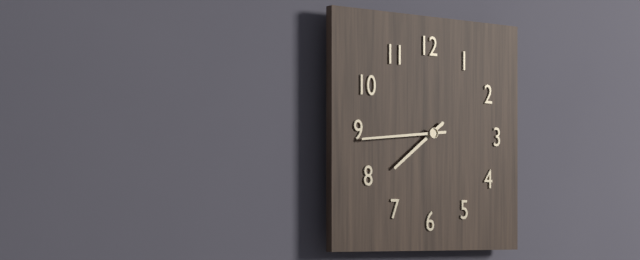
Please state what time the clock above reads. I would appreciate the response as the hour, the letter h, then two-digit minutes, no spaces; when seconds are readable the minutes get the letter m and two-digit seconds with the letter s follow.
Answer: 7h44
